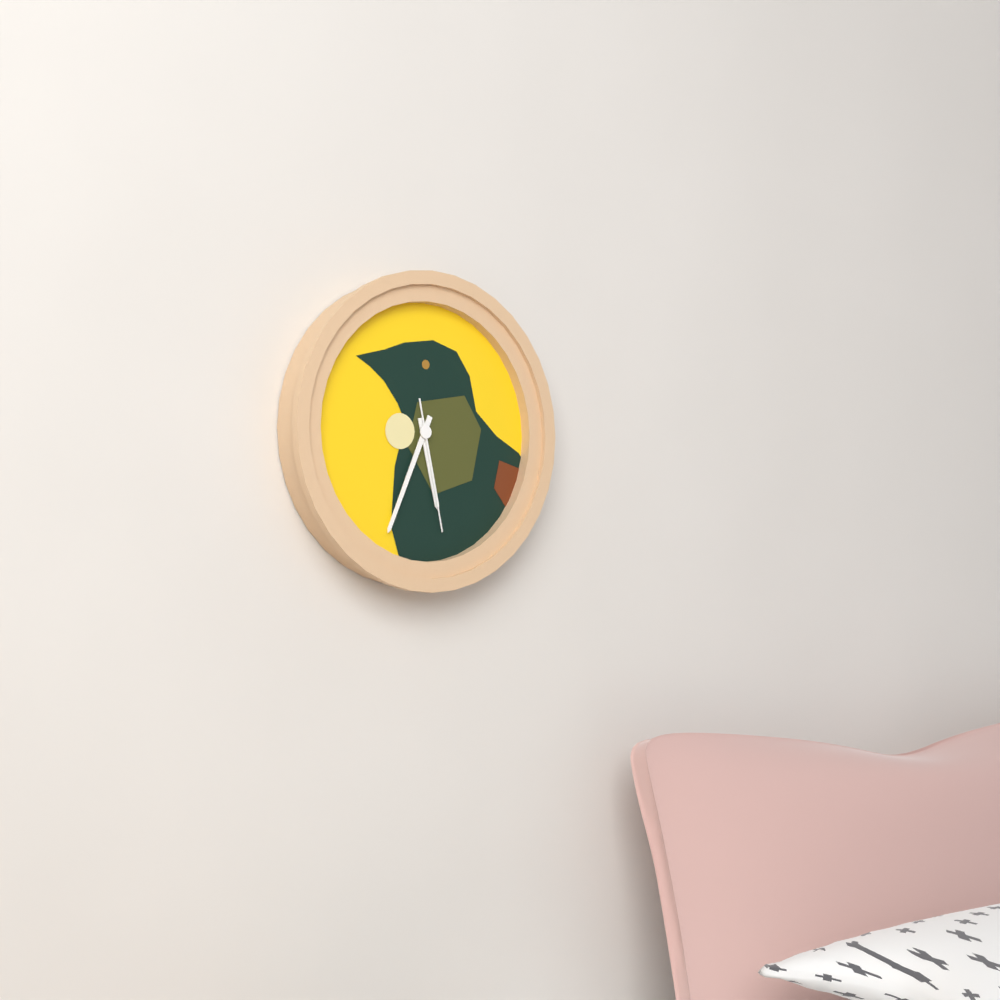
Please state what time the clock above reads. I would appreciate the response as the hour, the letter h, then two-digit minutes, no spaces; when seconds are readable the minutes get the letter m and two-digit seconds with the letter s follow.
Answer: 5h34m28s
